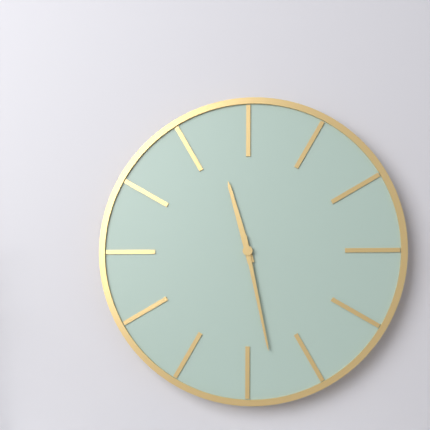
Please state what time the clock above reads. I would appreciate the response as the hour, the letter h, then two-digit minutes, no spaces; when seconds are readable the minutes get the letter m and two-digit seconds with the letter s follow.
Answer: 11h28
